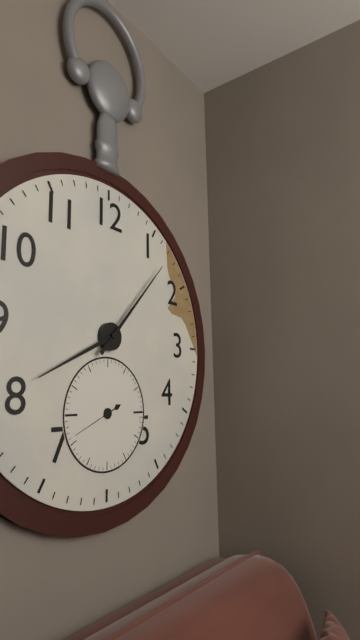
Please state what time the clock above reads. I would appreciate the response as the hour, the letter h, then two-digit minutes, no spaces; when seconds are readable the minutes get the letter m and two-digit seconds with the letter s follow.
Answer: 8h07m41s
